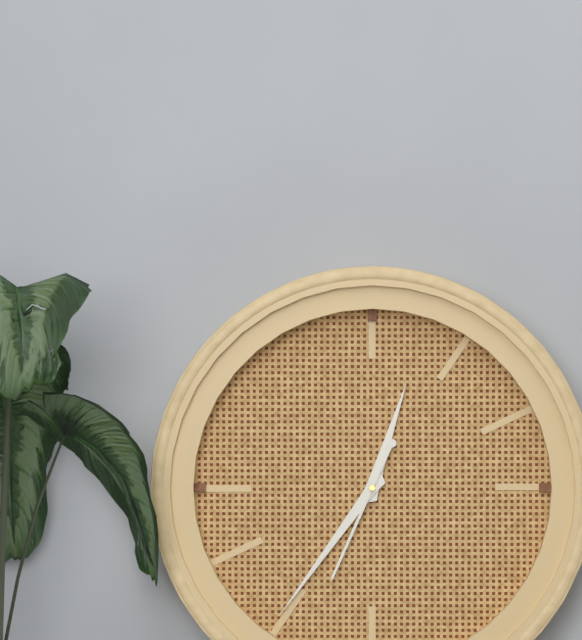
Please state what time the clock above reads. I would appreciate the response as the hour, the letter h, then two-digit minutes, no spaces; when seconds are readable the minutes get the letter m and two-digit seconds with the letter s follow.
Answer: 12h36m34s
